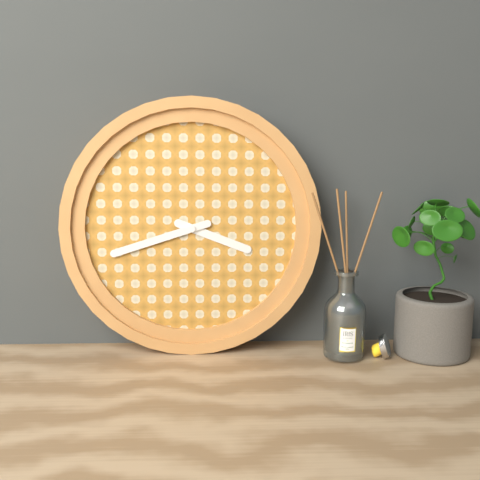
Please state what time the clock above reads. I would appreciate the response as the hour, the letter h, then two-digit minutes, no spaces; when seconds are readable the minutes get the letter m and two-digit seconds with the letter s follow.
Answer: 3h42
